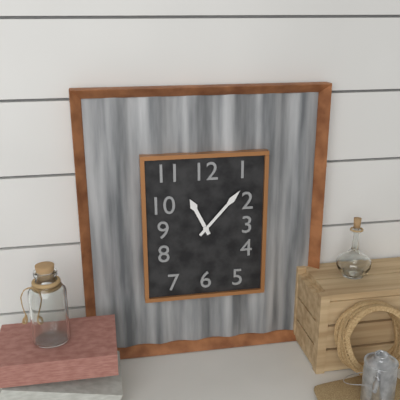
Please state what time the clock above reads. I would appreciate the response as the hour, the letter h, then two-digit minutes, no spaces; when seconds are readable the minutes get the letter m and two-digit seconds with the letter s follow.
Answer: 11h07
